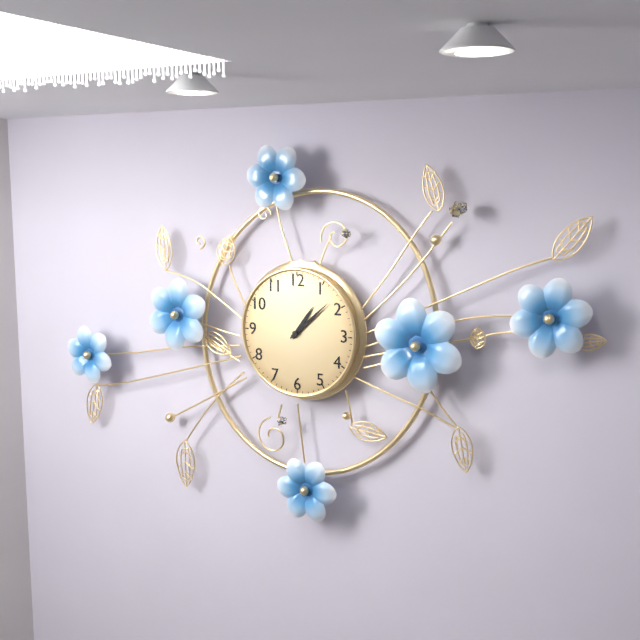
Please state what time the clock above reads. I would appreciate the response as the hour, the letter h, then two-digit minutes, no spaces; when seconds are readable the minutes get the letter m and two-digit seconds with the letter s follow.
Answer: 1h08
